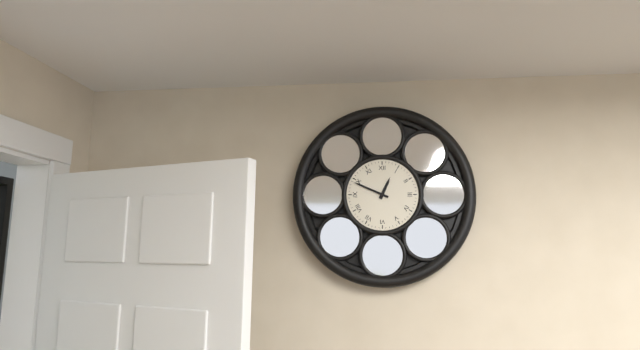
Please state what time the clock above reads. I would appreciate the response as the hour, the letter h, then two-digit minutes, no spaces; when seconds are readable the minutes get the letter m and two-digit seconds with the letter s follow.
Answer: 12h49
